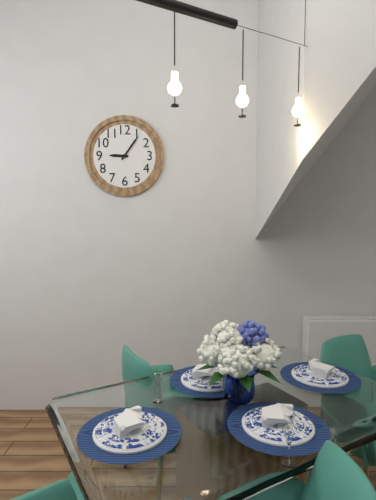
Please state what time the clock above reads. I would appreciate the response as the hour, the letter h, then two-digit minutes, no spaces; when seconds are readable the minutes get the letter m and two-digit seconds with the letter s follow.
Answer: 9h06
